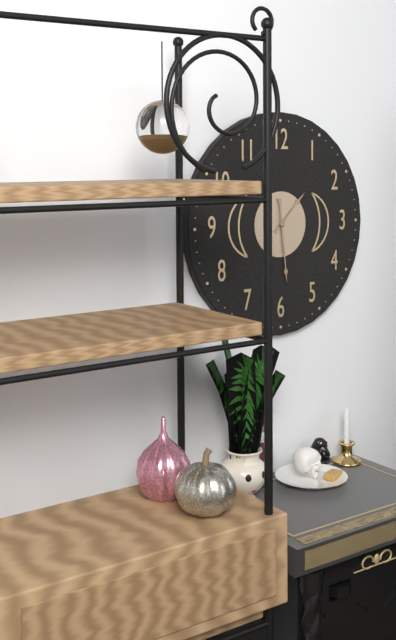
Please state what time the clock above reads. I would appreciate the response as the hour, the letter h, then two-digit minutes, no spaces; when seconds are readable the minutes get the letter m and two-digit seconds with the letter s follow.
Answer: 1h29
